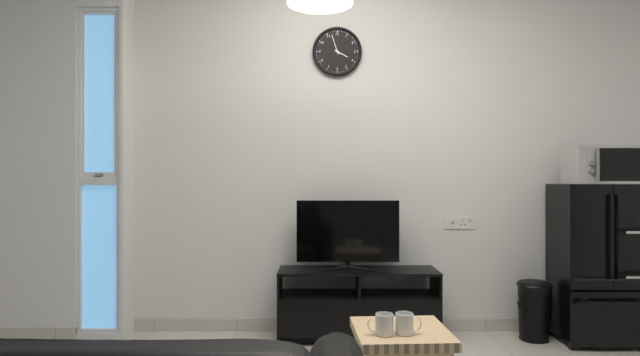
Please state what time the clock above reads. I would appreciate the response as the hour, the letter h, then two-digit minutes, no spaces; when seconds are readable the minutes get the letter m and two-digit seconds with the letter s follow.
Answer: 3h57
